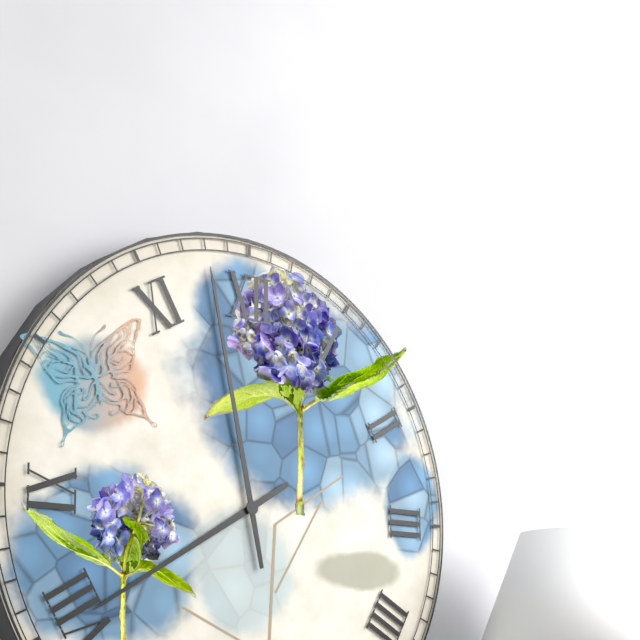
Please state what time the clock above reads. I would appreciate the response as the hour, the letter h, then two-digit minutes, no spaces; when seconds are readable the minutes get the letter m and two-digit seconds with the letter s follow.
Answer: 7h58
